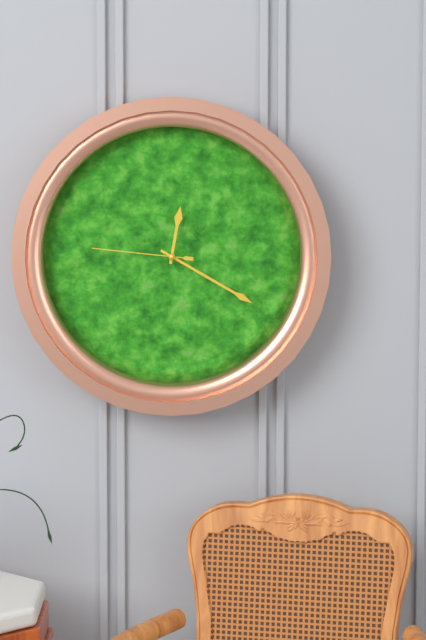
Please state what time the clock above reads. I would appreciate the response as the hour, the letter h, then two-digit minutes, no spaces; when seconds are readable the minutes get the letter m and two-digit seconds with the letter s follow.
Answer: 12h20m46s
